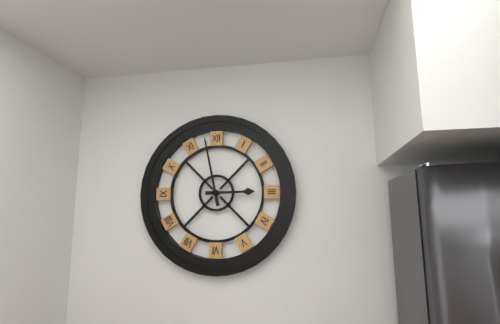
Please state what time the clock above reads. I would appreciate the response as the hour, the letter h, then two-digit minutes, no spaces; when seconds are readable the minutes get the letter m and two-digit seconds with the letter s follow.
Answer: 2h58
